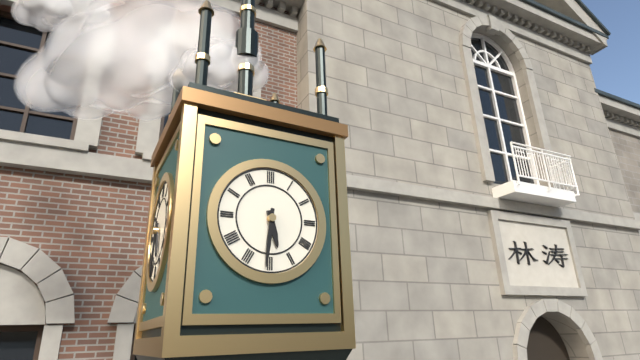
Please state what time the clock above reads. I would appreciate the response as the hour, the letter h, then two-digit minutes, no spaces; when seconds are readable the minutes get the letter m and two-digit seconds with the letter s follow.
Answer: 5h31
